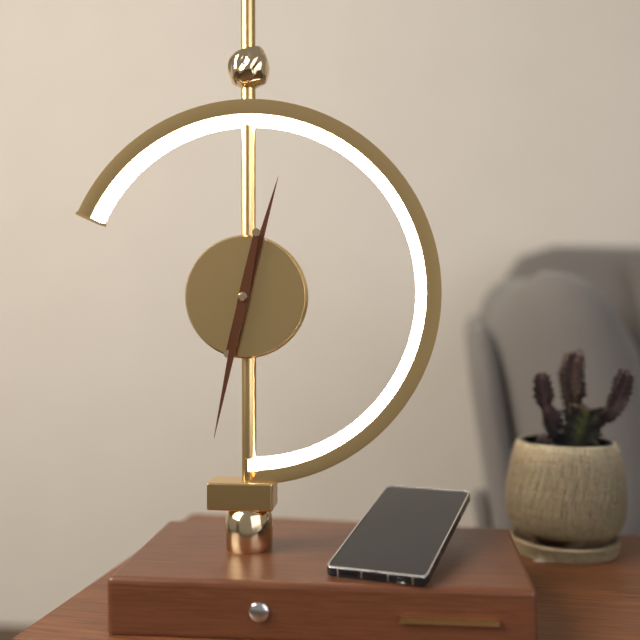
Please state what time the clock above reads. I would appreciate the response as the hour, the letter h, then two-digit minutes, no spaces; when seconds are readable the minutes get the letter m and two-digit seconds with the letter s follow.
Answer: 12h32
